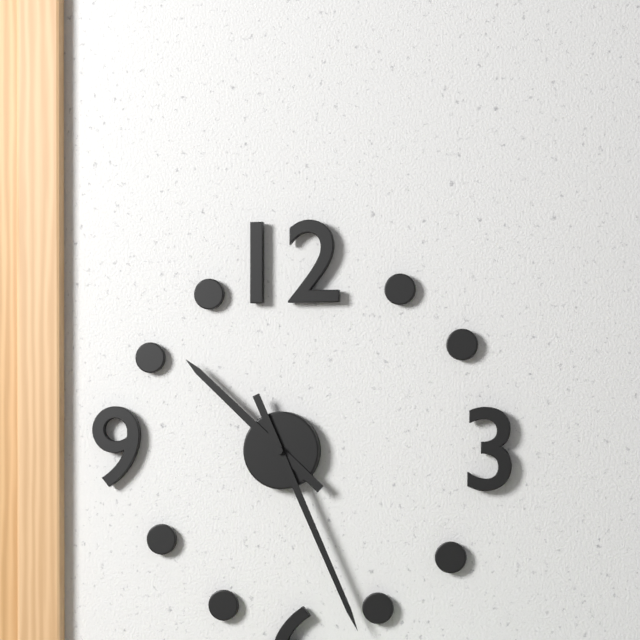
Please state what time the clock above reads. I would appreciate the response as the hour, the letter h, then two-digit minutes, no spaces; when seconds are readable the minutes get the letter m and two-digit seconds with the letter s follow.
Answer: 10h26
